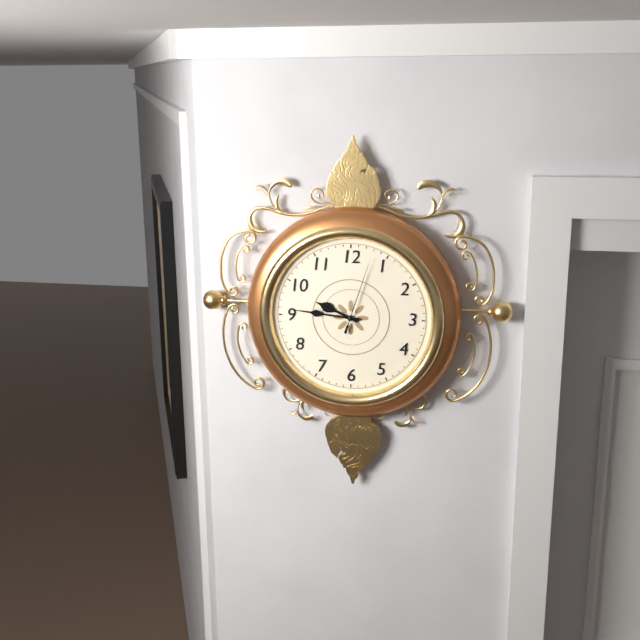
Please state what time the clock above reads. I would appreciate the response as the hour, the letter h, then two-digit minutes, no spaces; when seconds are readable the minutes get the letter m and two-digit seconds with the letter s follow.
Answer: 9h46m03s
